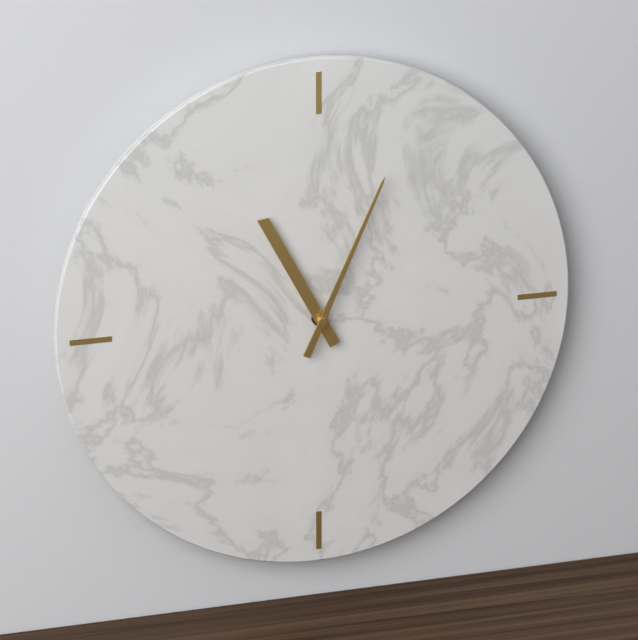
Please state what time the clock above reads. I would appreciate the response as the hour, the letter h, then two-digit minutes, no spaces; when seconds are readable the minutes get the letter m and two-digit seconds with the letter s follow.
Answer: 11h04
